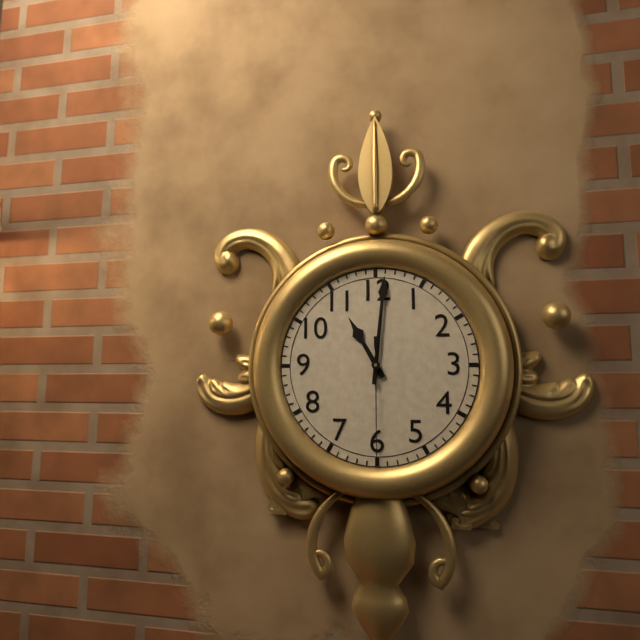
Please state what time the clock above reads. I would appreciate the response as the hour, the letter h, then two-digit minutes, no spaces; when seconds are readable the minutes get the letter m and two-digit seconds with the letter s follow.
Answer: 11h01m30s
